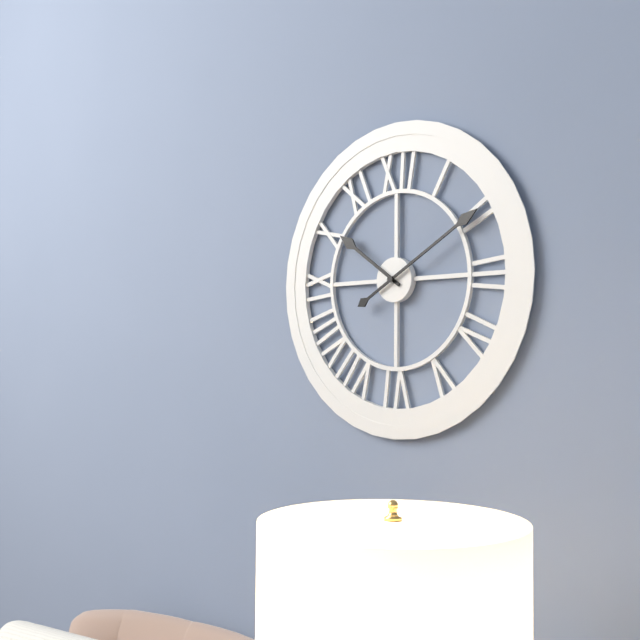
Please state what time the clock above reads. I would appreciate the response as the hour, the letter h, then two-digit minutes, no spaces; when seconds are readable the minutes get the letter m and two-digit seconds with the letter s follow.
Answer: 10h10
